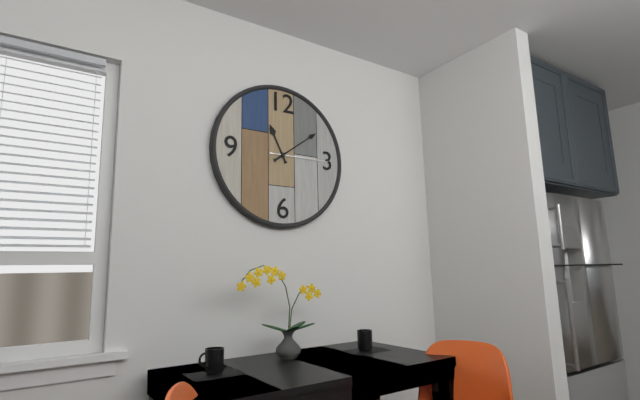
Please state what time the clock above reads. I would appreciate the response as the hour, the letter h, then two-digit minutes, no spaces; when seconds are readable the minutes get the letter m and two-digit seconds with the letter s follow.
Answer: 11h09m15s
